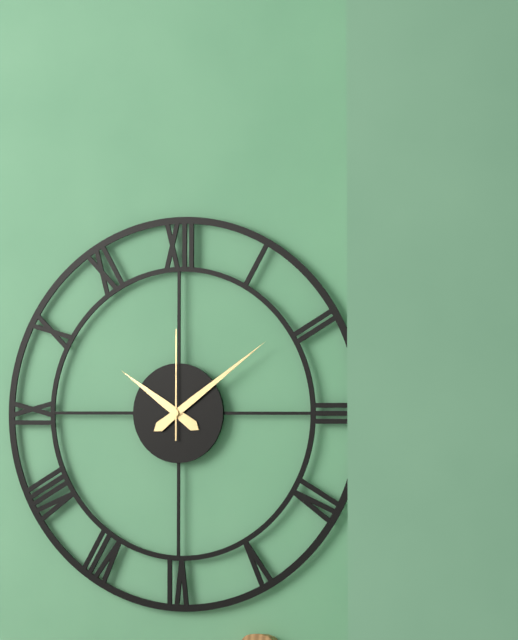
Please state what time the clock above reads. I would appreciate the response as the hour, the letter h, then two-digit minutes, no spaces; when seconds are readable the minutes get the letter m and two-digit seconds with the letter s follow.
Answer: 10h09m00s
